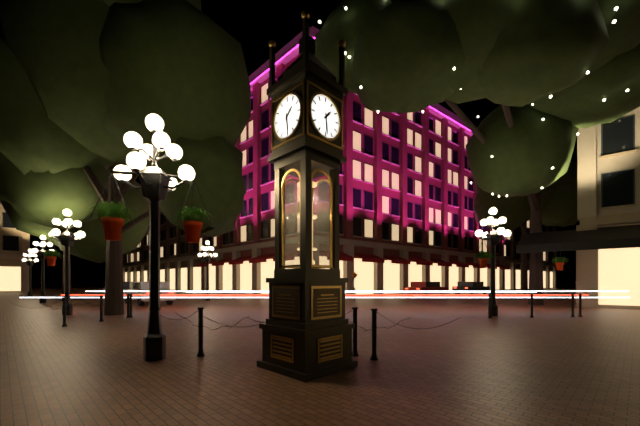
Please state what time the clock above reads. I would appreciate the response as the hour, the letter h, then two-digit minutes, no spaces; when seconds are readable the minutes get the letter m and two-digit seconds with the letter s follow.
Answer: 1h29
